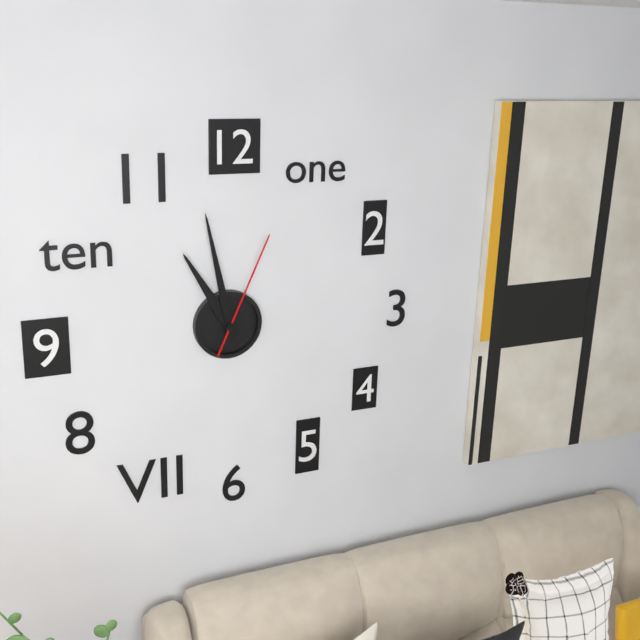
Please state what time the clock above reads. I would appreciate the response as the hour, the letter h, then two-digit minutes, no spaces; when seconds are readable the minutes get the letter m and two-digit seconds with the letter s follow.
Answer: 10h58m04s
